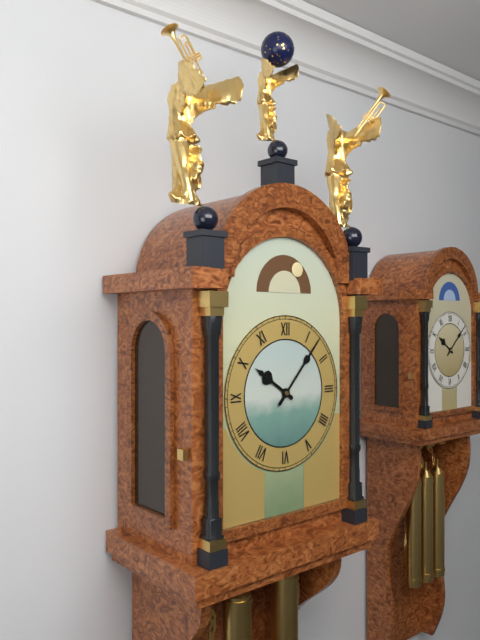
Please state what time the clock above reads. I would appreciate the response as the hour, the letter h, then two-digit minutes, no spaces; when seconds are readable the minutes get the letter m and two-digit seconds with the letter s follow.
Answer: 10h07
